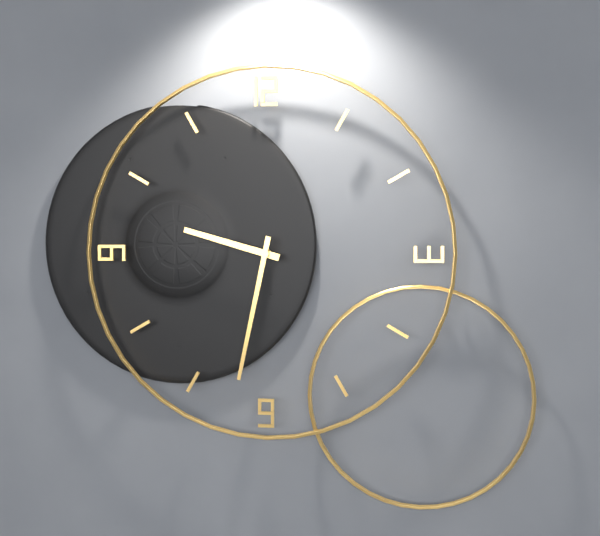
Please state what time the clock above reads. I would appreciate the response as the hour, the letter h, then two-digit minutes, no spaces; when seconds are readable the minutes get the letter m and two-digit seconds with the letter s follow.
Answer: 9h32
